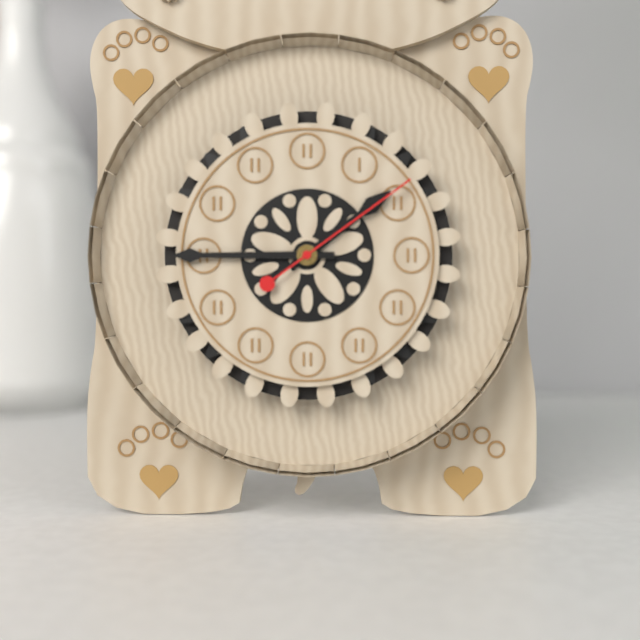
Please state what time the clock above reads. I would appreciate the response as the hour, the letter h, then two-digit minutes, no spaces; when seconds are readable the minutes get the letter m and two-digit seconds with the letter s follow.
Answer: 1h45m09s
